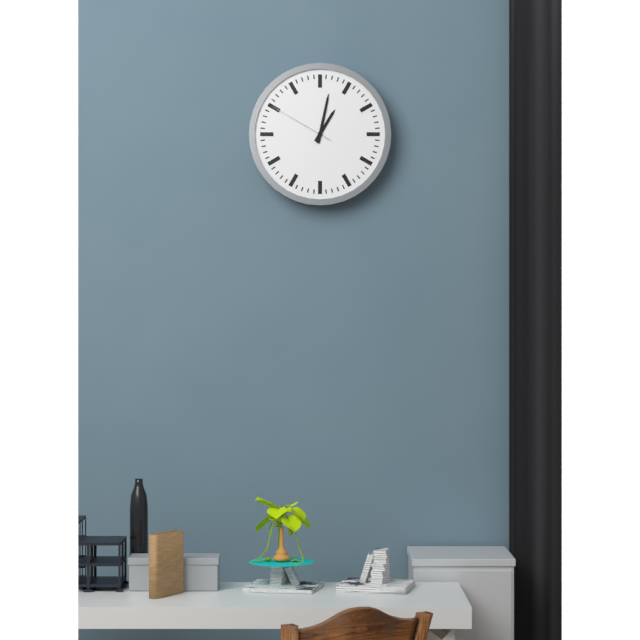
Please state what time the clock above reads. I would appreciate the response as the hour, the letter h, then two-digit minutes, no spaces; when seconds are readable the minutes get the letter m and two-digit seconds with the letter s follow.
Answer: 1h02m50s
